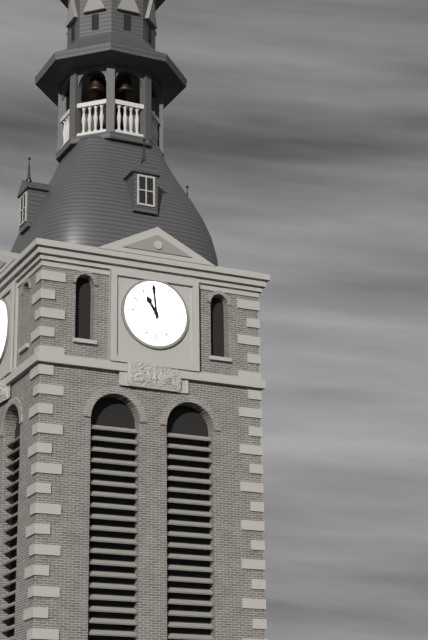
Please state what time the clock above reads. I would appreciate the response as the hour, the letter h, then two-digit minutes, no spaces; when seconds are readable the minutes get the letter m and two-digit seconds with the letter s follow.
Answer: 10h59
